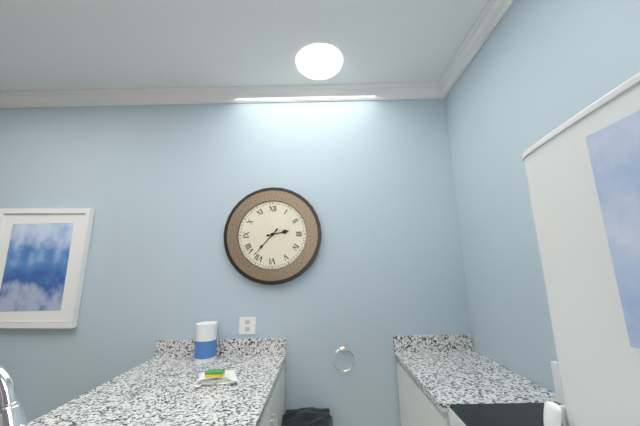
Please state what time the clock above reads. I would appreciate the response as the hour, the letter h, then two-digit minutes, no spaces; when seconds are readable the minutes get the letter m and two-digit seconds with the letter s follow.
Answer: 2h37
